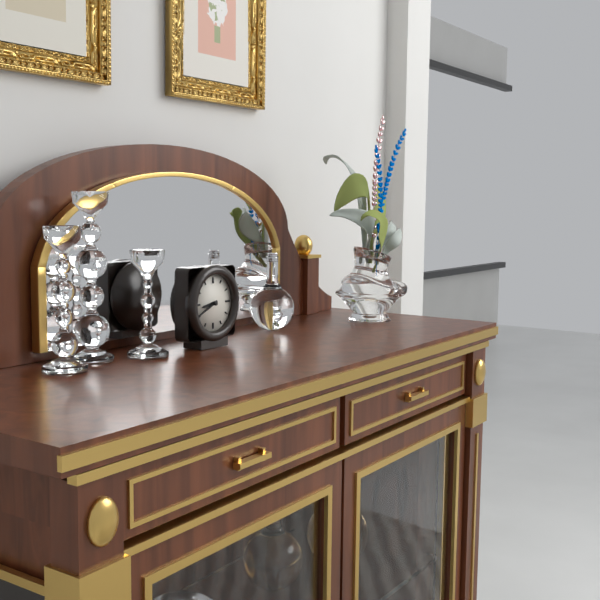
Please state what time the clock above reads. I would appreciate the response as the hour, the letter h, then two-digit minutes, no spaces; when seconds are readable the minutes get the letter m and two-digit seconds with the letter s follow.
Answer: 8h41
